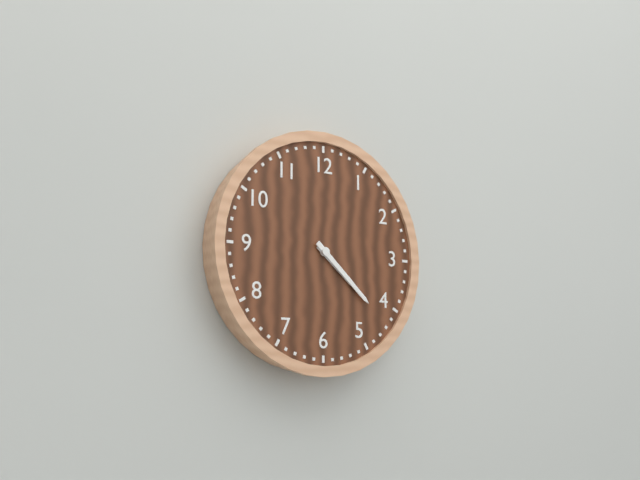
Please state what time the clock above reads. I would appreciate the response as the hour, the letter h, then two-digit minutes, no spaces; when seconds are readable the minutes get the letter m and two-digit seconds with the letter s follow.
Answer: 4h22
